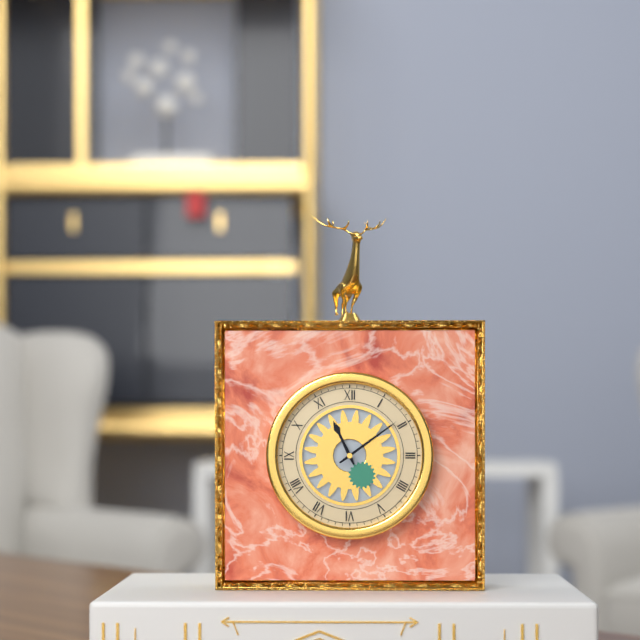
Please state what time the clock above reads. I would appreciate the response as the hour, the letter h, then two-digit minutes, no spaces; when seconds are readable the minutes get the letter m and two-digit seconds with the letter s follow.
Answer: 11h09
